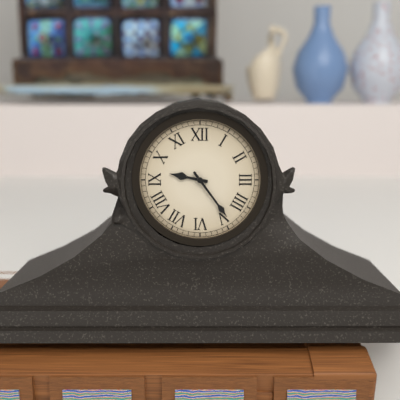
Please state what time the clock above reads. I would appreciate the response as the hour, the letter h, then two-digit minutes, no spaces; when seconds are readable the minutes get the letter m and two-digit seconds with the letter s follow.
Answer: 9h24
